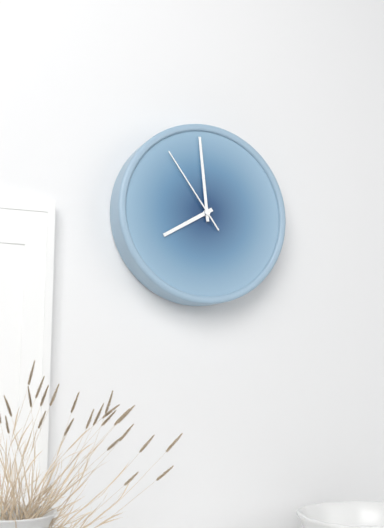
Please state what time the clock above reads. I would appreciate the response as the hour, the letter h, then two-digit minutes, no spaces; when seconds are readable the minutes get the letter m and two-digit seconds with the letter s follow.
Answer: 7h59m54s
